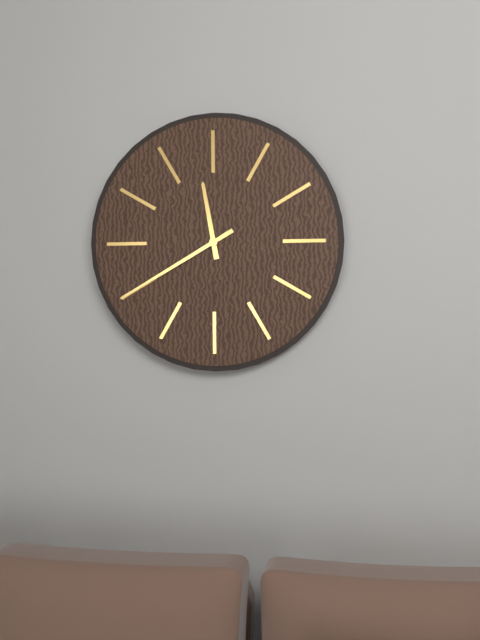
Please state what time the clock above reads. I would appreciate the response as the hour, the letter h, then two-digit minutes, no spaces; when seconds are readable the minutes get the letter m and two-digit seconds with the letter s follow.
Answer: 11h40
